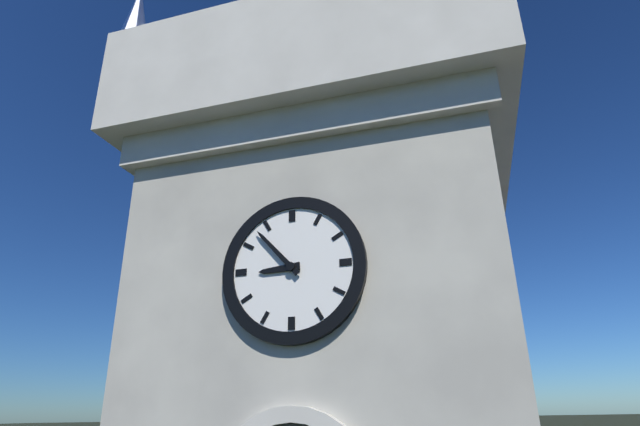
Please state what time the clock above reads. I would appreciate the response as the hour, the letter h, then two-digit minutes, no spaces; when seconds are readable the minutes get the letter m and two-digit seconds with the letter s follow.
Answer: 8h53
